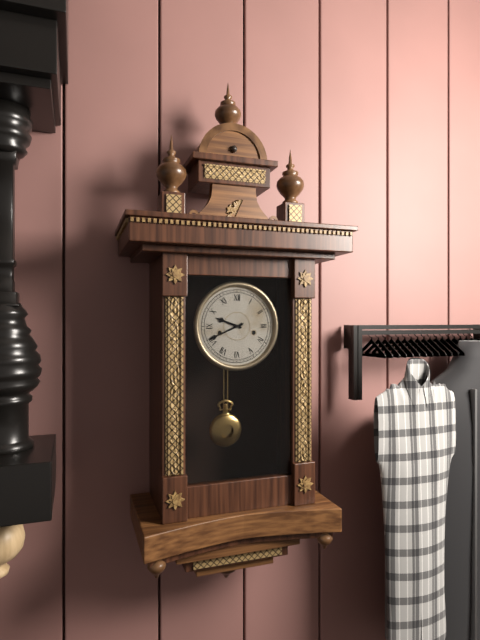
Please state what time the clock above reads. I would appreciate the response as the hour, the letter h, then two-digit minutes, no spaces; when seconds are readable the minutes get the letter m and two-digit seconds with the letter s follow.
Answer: 9h41
